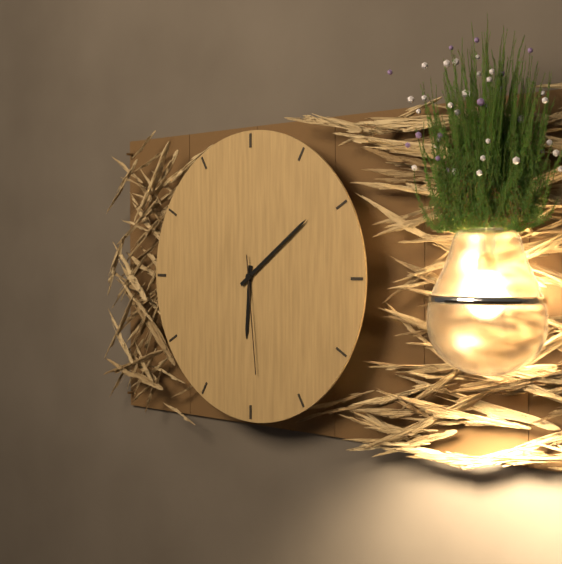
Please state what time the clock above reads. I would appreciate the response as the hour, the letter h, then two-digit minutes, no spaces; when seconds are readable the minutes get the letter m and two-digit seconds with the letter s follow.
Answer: 6h09m29s
